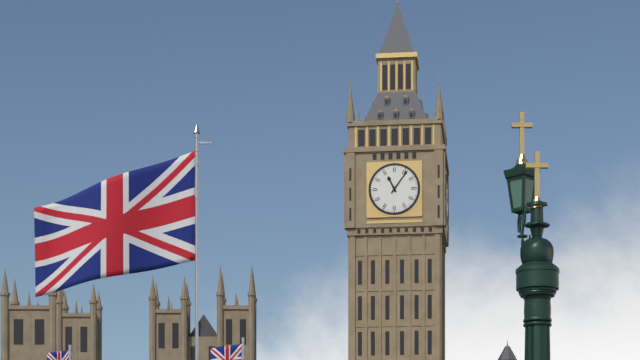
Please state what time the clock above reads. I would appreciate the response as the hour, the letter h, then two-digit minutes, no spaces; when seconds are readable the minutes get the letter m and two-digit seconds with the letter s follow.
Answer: 11h06
